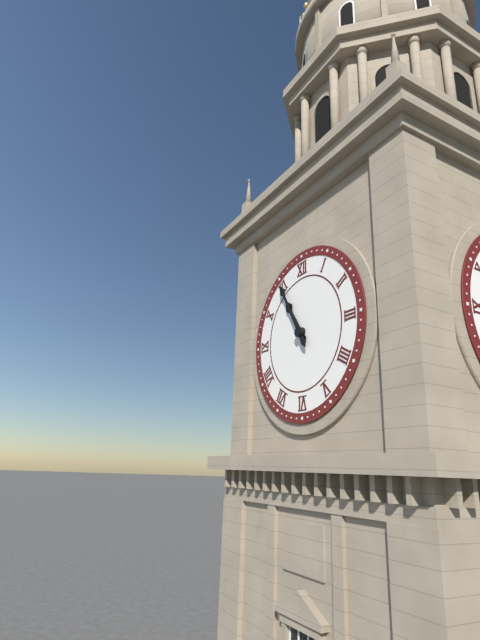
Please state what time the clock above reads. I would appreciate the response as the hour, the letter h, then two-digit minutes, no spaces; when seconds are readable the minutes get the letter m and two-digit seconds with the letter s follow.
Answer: 10h55
